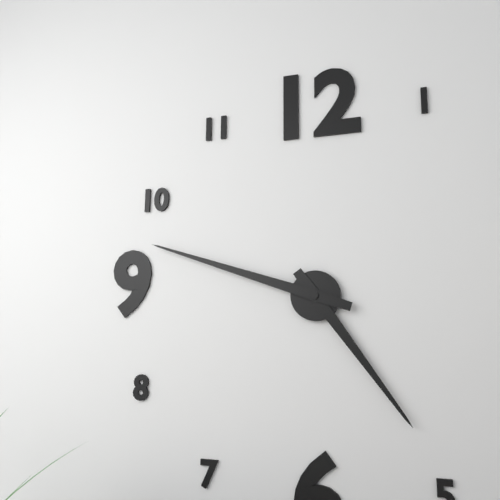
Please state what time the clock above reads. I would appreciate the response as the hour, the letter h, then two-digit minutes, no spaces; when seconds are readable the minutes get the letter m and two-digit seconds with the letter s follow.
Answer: 4h48
